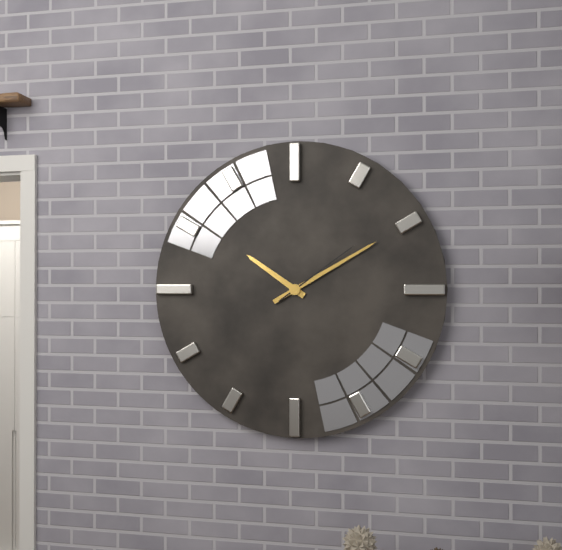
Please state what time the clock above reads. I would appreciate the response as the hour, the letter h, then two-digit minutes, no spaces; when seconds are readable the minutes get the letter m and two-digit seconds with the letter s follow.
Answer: 10h10m09s
